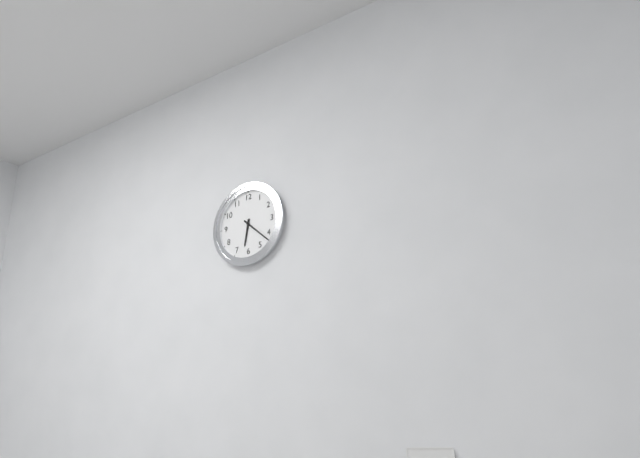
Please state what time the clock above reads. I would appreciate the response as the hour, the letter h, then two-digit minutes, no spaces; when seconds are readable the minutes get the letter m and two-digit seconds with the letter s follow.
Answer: 6h22
